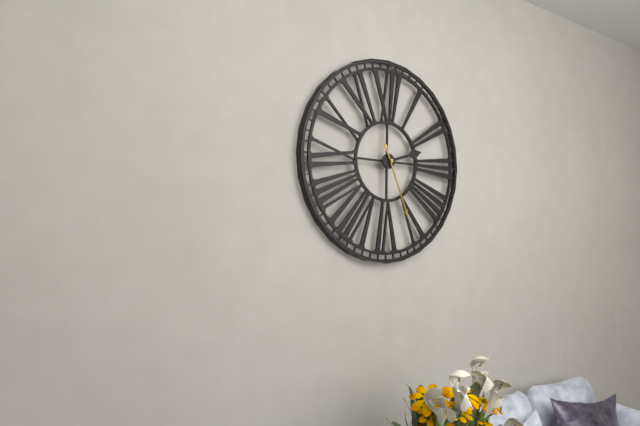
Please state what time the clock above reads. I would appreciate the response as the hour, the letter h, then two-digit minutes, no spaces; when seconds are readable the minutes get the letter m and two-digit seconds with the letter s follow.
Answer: 2h26
